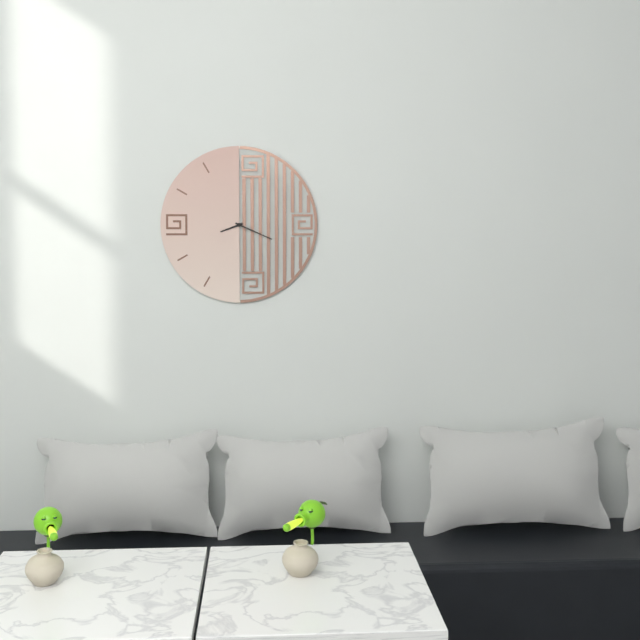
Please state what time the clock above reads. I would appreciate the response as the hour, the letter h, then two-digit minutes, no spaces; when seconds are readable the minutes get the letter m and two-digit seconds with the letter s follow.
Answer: 8h19
